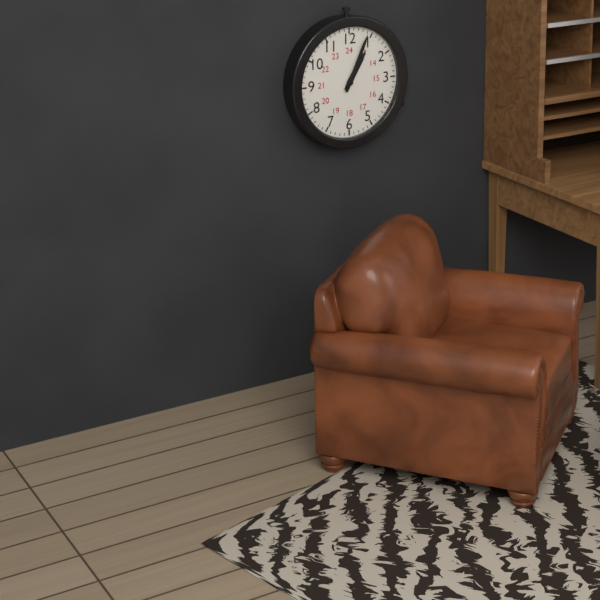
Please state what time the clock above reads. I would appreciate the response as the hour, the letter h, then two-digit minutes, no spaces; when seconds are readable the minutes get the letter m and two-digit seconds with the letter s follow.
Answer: 1h04
